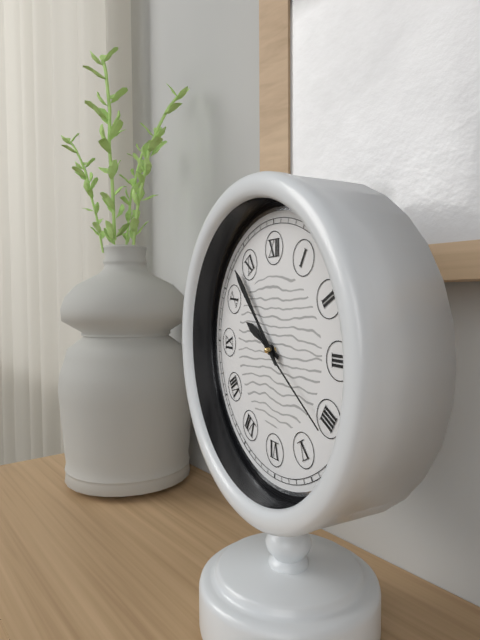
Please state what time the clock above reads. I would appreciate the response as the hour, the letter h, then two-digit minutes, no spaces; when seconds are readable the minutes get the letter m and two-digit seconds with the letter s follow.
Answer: 9h53m21s
